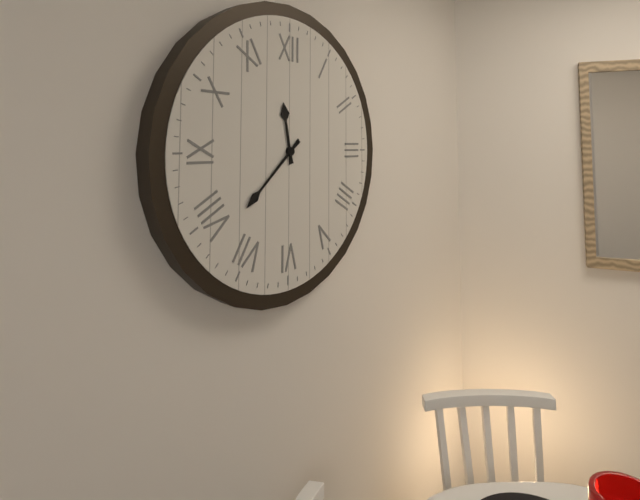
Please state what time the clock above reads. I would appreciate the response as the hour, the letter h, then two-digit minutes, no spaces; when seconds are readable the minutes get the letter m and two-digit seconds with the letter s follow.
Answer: 11h38
